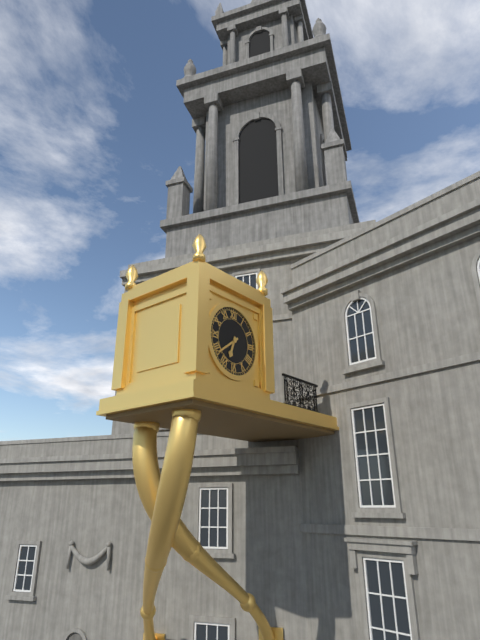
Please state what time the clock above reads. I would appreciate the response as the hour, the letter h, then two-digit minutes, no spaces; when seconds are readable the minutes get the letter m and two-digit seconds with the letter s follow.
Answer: 6h39
